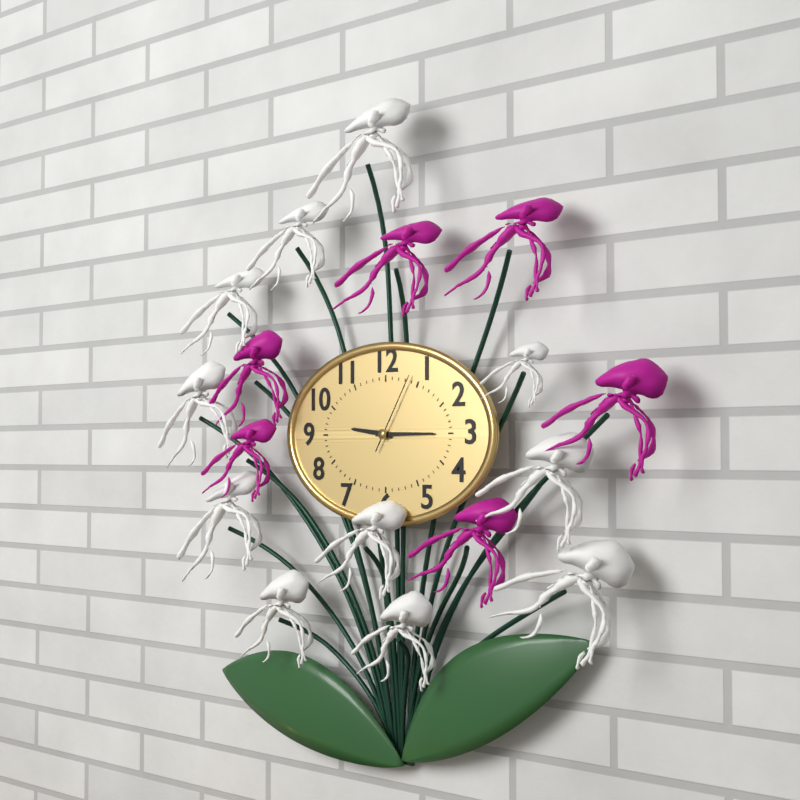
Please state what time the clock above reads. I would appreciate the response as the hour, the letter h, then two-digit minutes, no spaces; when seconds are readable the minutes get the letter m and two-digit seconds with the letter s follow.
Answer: 9h15m05s
